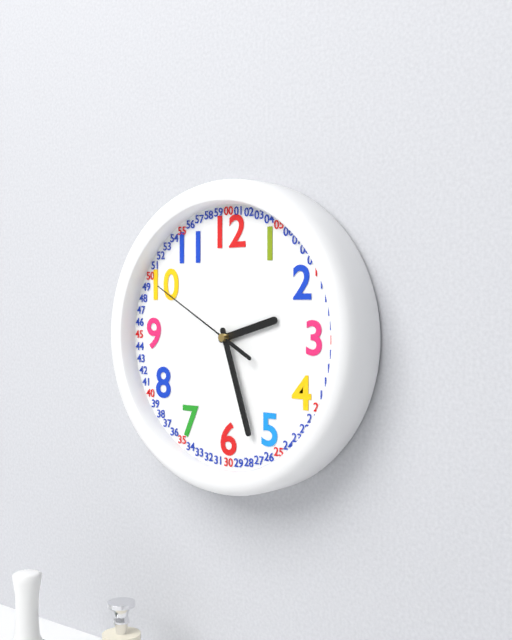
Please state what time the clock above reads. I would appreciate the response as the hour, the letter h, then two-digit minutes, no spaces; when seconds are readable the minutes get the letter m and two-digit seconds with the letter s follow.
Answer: 2h27m50s
